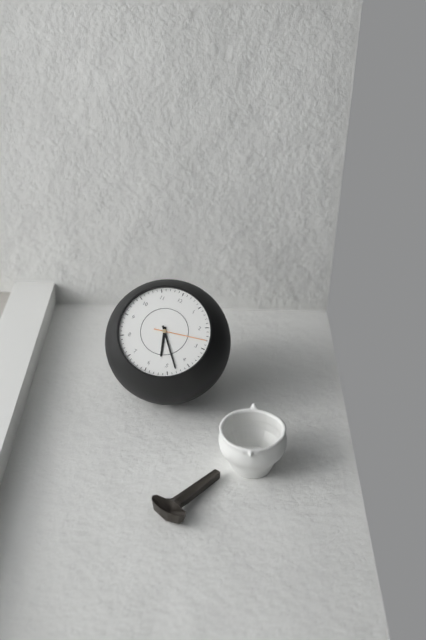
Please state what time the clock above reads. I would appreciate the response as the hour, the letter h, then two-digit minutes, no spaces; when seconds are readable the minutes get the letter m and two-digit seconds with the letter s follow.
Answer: 5h23m13s
